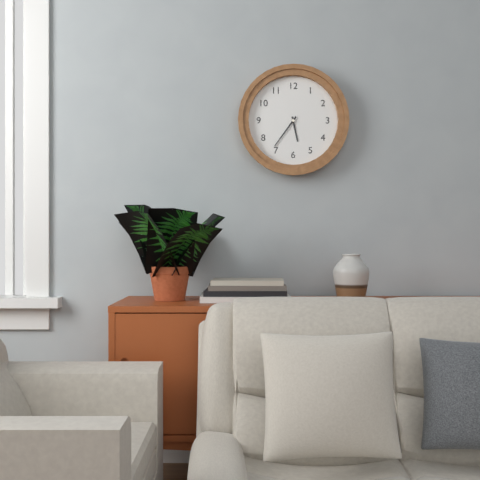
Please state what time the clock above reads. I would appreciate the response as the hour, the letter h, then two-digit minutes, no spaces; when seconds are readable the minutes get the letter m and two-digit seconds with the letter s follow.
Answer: 5h36
